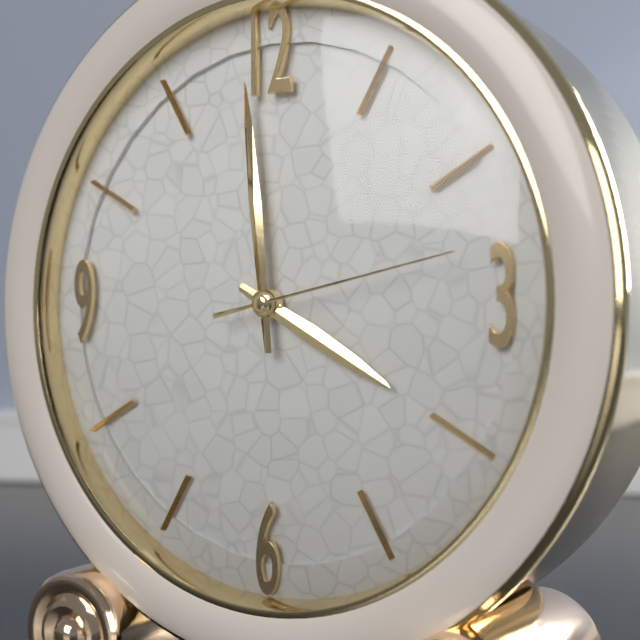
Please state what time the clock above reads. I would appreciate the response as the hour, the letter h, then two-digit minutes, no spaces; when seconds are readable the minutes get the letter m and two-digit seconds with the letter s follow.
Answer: 3h59m13s
